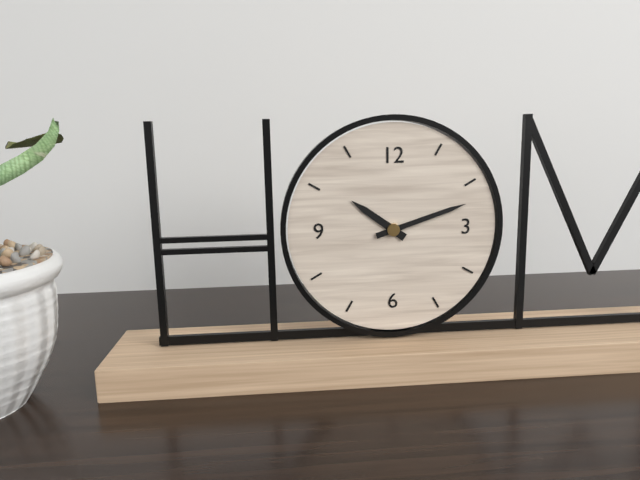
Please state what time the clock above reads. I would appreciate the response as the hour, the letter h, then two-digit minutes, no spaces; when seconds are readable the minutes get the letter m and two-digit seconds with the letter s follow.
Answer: 10h12
